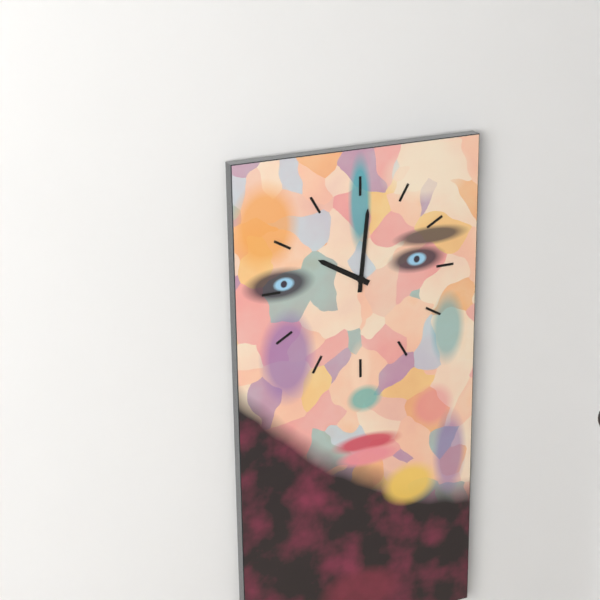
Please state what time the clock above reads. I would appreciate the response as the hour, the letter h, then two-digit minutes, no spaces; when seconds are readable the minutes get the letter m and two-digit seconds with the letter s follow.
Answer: 10h01
